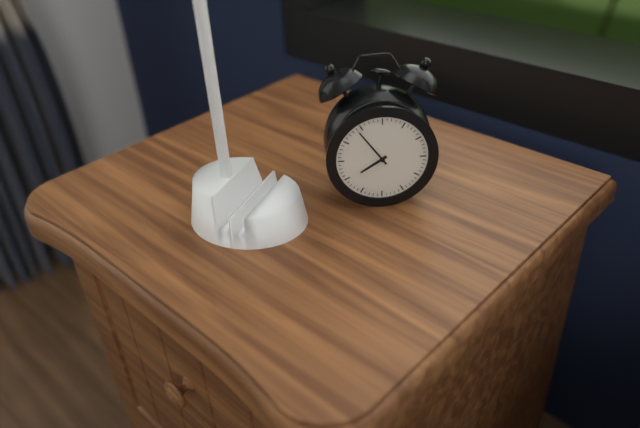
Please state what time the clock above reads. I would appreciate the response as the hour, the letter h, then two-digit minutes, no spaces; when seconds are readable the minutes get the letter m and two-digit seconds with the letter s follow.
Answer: 7h54
